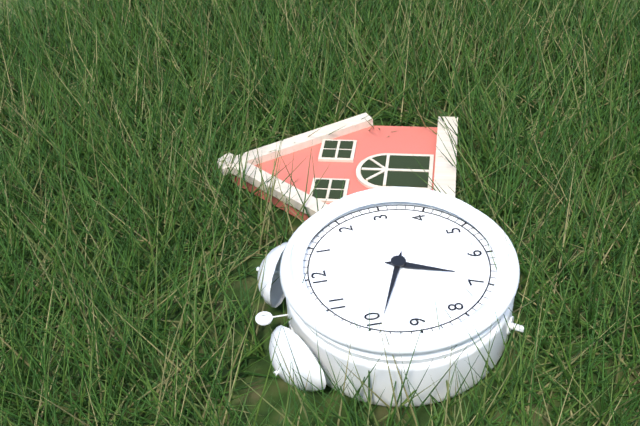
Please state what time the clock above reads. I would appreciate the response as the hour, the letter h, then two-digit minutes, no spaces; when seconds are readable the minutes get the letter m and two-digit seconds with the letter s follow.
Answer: 6h49
